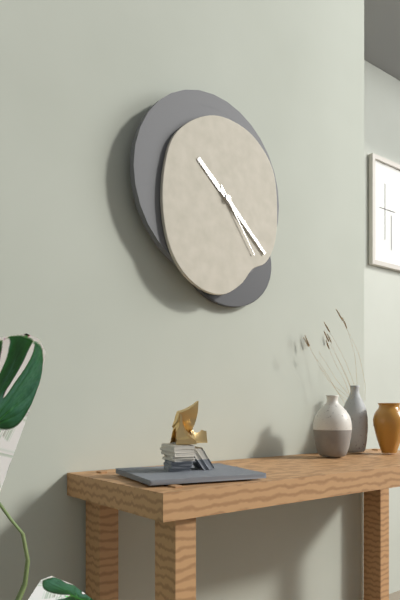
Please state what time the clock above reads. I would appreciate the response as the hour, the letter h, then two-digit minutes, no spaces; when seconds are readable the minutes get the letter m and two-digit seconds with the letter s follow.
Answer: 10h22m24s
